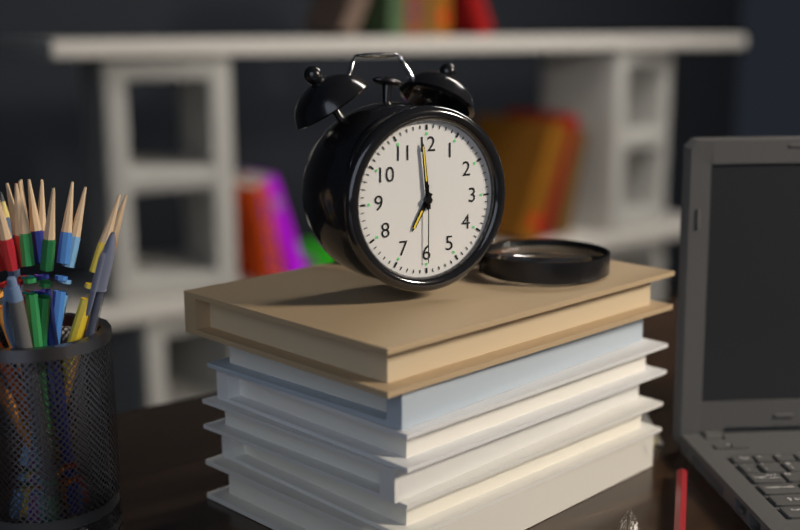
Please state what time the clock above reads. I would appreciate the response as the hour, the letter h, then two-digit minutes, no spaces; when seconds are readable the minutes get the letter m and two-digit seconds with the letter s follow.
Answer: 6h59m30s
